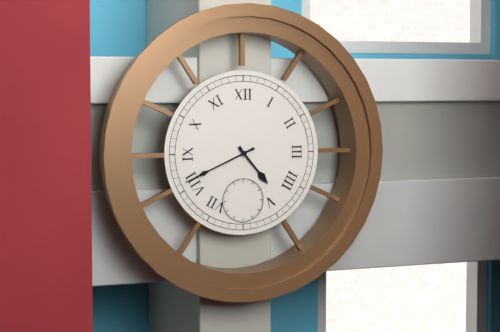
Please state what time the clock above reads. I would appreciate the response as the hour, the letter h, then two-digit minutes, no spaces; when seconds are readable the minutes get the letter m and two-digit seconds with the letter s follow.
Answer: 4h41
